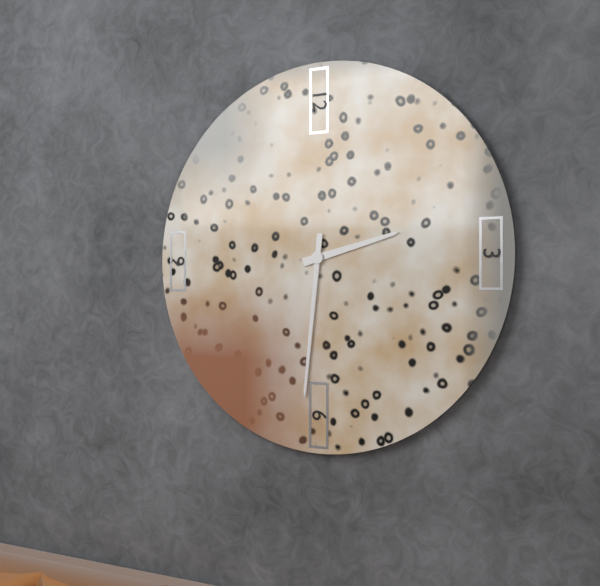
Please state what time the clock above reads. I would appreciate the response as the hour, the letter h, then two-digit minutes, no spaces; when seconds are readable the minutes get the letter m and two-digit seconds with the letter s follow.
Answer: 2h31
